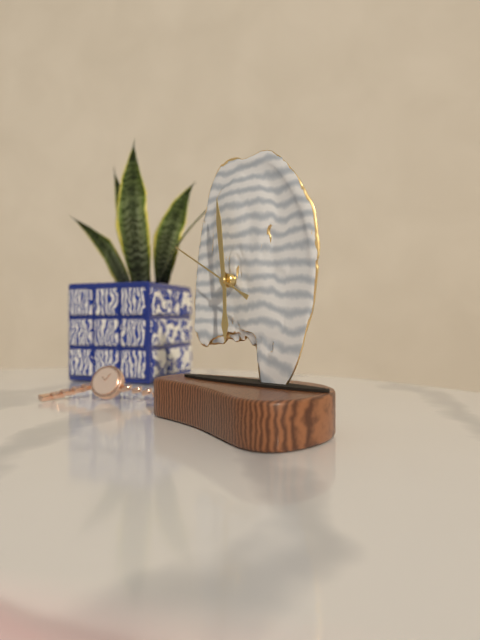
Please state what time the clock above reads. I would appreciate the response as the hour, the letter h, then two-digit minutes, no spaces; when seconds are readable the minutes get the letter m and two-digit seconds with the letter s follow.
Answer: 5h59m50s
